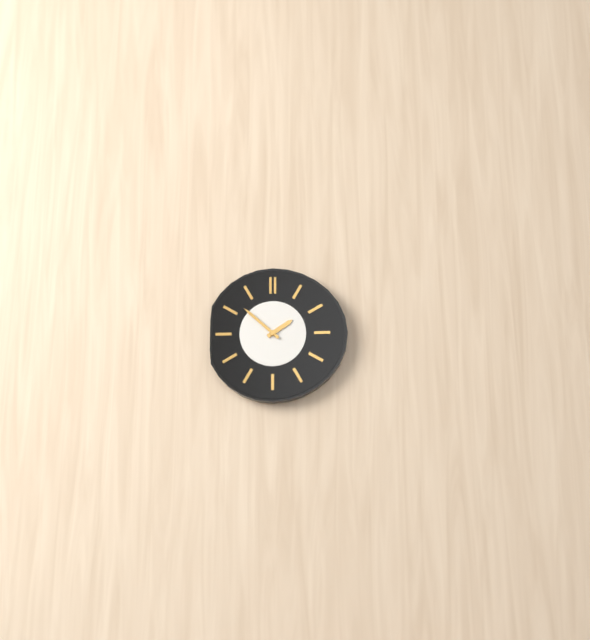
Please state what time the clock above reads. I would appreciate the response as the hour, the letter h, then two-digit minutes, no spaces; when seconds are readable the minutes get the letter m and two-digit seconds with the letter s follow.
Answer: 1h52
